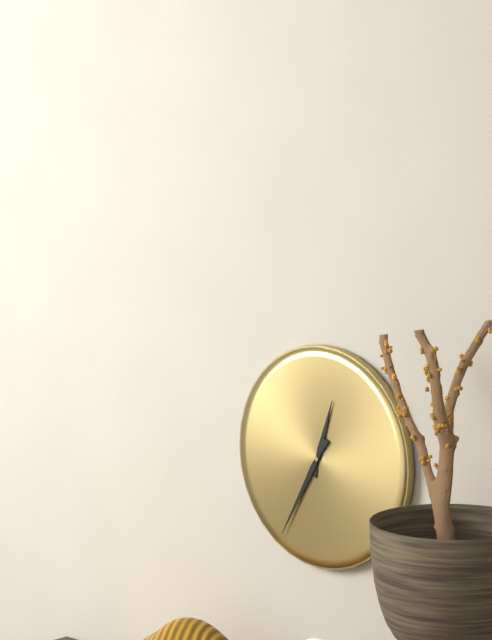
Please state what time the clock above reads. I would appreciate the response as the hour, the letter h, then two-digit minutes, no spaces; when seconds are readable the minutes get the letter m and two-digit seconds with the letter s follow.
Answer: 12h35
